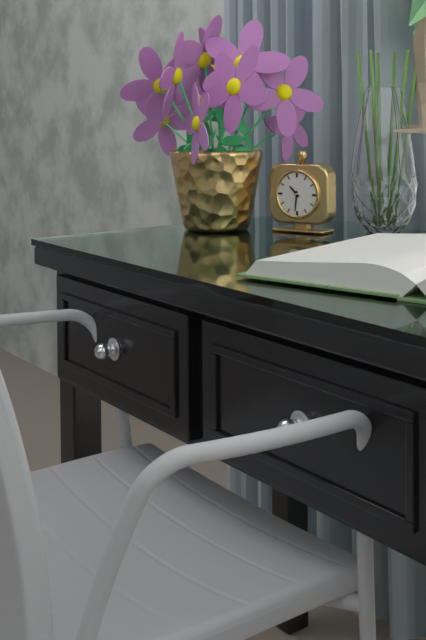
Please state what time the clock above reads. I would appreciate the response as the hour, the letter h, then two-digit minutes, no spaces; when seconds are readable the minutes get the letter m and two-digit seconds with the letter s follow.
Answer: 10h31
